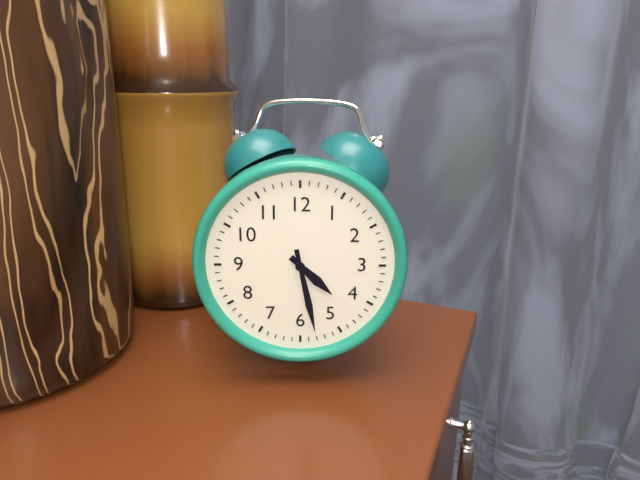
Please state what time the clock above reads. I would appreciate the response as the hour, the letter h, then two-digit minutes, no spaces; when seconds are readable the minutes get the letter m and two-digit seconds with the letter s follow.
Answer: 4h28
